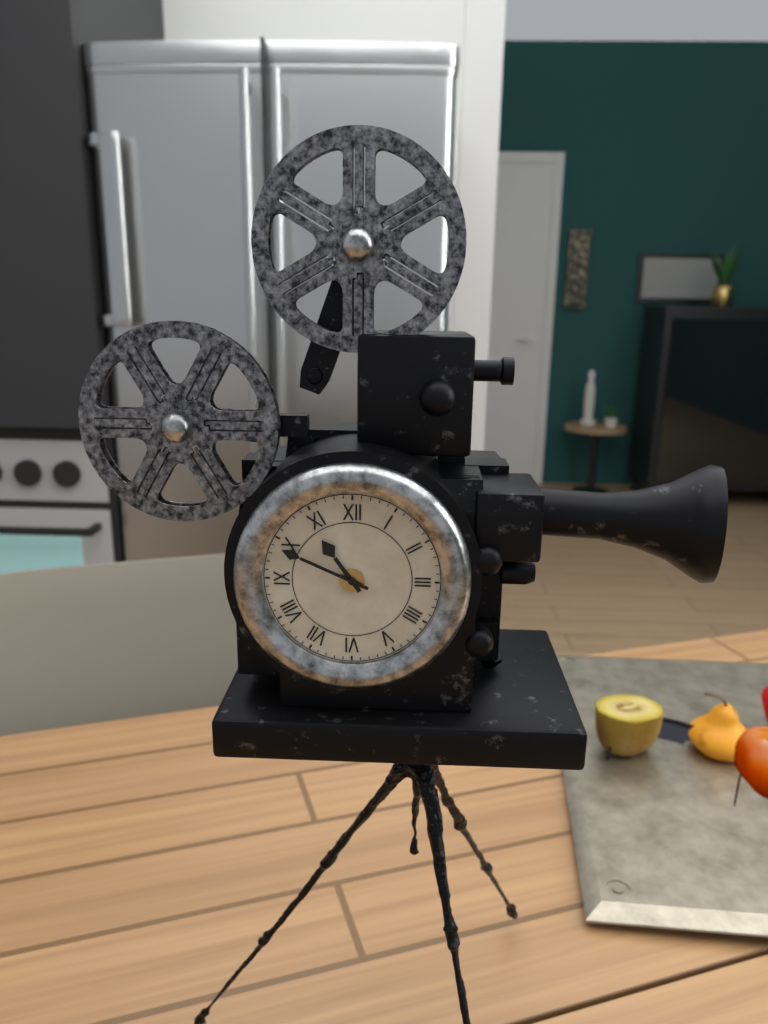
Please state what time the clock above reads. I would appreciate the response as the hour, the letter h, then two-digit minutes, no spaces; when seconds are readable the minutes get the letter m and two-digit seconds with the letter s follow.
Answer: 10h49
